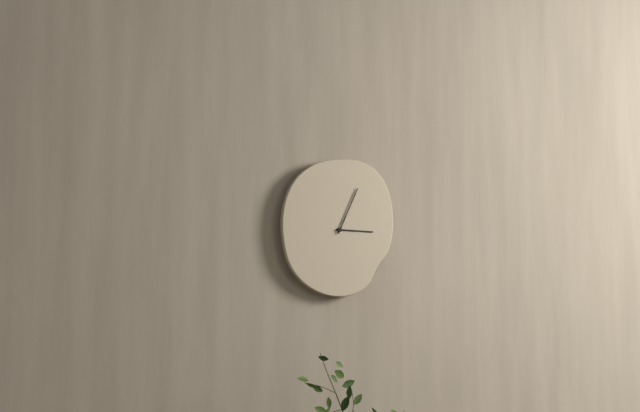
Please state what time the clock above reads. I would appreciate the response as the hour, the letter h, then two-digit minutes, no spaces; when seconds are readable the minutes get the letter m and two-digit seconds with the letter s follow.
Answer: 3h04
